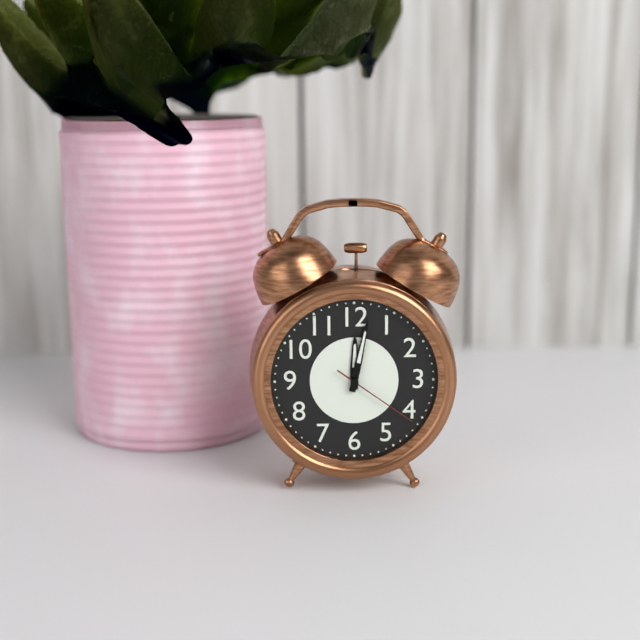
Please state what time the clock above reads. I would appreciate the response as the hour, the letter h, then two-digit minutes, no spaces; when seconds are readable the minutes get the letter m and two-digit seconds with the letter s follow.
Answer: 12h02m21s
